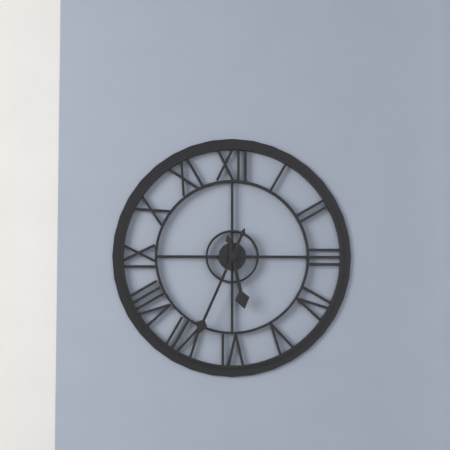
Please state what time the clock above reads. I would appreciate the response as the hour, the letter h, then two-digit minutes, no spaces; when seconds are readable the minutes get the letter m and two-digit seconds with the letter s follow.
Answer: 5h34
